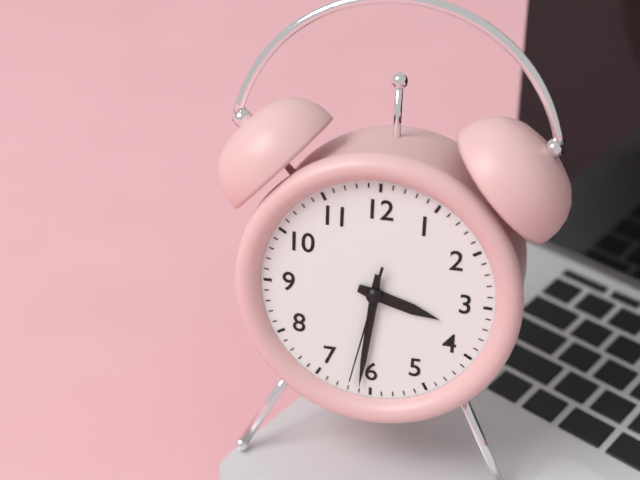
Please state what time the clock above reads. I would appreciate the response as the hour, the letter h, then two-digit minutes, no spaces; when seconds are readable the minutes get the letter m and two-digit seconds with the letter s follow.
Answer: 3h31m32s
